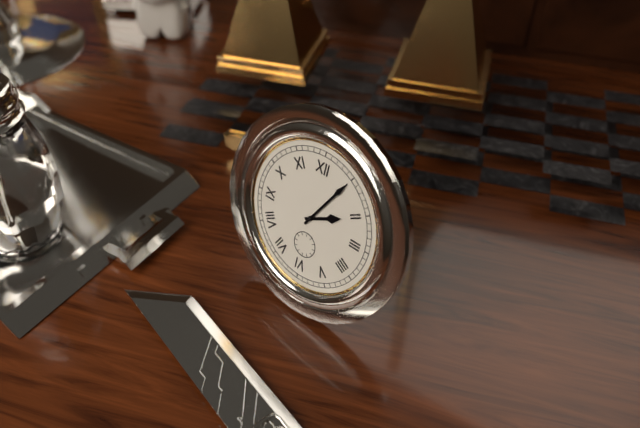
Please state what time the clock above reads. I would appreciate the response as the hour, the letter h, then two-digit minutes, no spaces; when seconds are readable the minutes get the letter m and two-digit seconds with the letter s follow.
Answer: 2h05
